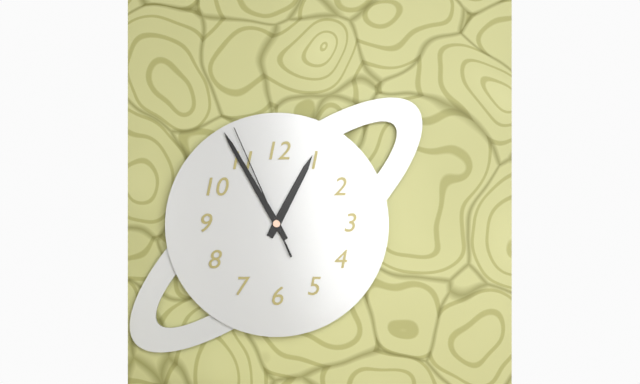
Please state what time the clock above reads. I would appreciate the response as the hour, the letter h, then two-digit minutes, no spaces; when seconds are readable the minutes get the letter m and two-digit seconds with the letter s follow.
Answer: 12h55m56s
